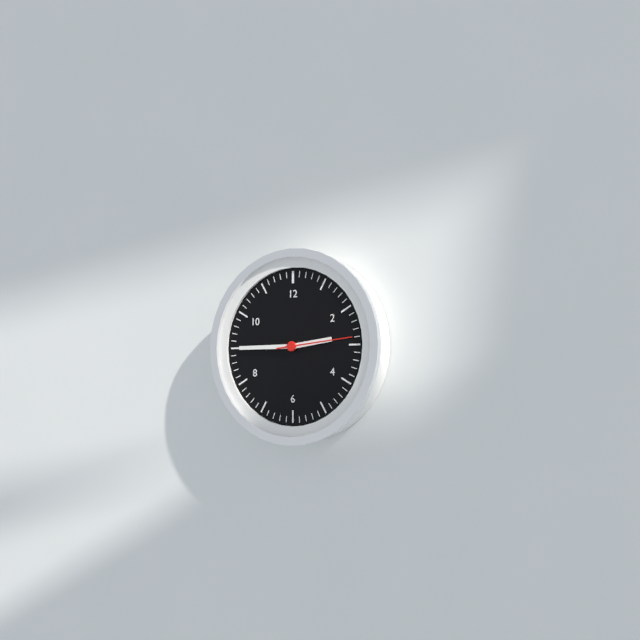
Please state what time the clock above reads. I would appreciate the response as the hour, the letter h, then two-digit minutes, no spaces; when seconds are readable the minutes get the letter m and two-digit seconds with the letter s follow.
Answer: 2h45m14s
